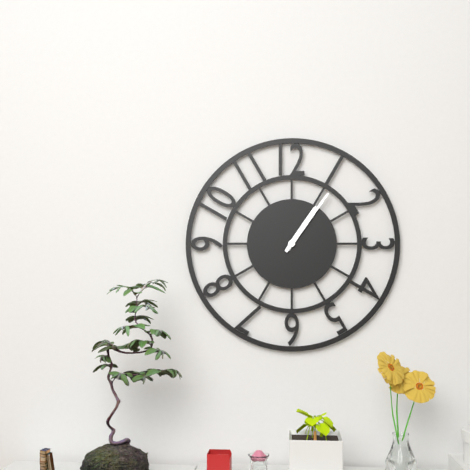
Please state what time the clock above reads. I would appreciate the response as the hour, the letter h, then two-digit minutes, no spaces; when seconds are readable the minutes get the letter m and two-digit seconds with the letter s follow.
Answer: 1h06
